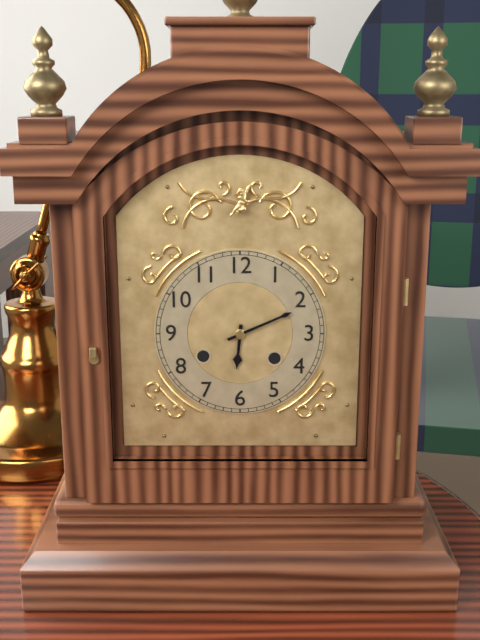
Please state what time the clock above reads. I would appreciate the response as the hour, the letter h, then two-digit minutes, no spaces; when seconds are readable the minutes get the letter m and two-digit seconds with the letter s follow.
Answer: 6h11
